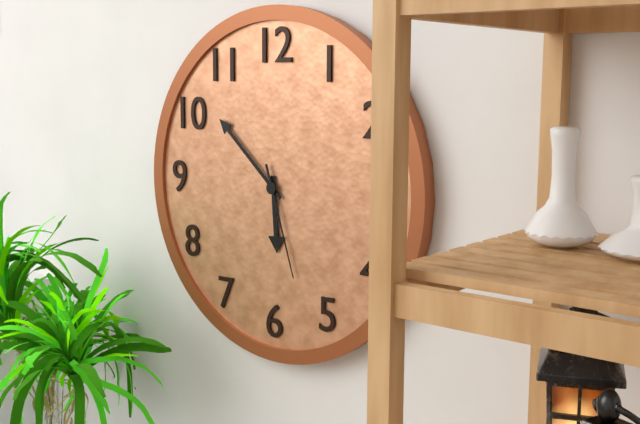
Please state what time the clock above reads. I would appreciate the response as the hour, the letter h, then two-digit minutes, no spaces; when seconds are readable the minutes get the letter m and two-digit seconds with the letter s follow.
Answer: 5h52m27s
